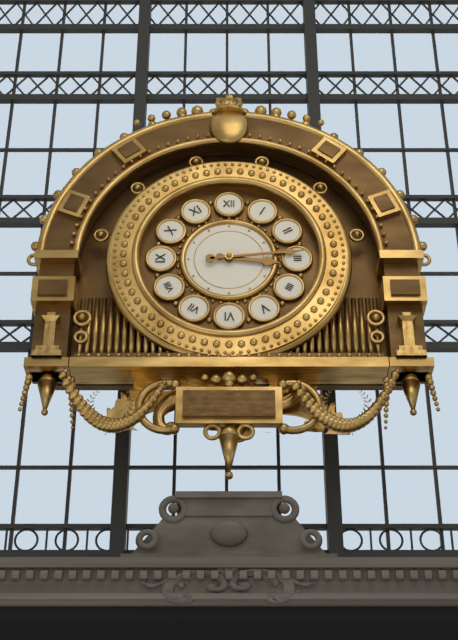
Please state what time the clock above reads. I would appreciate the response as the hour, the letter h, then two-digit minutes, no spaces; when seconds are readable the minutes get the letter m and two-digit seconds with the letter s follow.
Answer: 3h14
